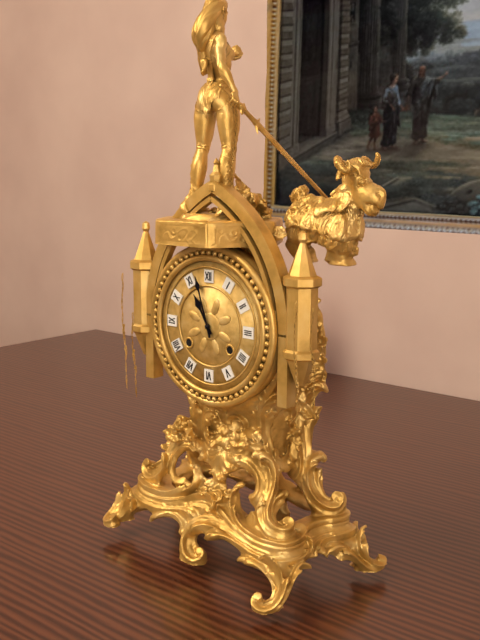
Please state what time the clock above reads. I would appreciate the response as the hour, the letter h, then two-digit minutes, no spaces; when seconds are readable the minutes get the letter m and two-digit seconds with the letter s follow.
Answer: 10h57
